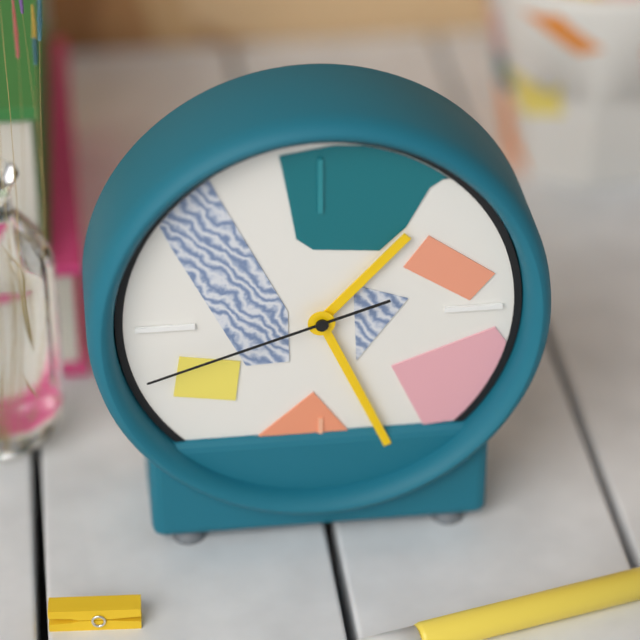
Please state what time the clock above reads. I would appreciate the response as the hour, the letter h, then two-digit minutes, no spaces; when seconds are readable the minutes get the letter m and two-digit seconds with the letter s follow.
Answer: 1h26m42s
